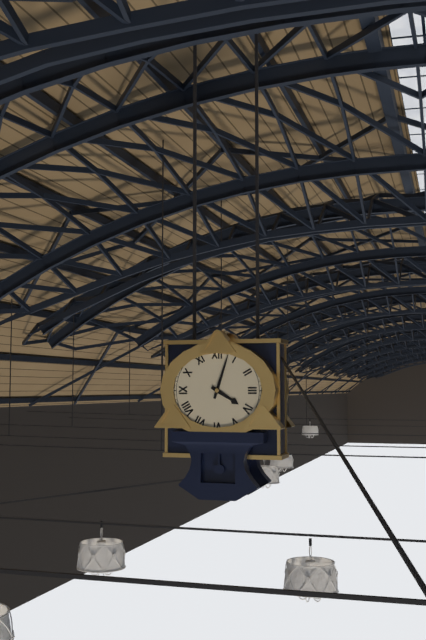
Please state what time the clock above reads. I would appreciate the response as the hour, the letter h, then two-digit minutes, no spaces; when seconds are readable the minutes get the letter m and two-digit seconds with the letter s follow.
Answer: 4h03
